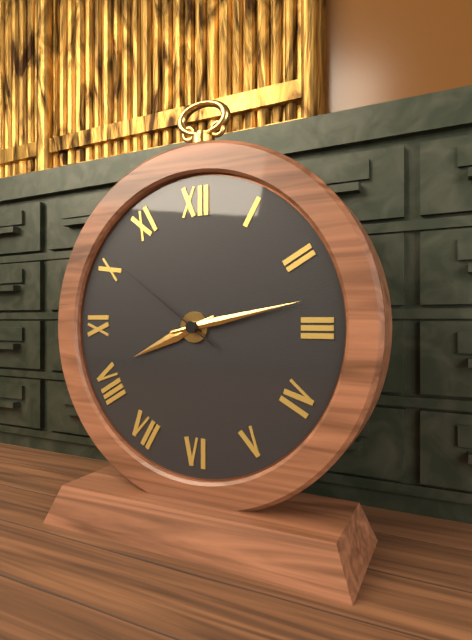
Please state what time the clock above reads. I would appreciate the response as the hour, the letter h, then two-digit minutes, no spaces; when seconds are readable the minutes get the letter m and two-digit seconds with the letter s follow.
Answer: 8h13m51s
